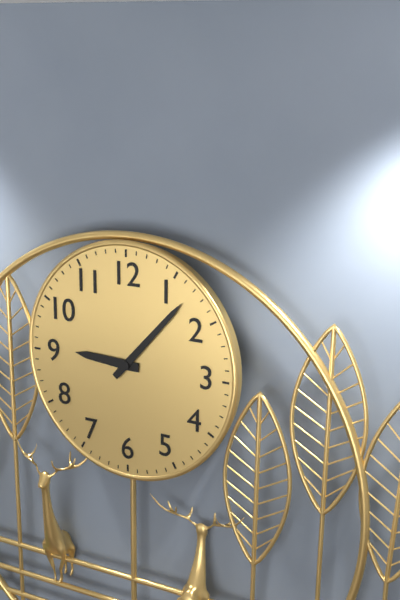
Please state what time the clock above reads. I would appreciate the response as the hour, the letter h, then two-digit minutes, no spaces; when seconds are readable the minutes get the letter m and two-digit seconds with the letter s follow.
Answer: 9h07
